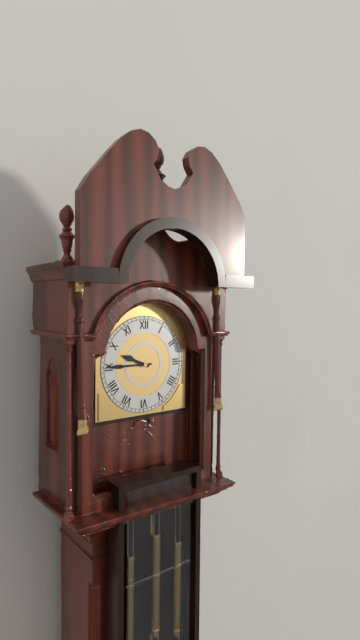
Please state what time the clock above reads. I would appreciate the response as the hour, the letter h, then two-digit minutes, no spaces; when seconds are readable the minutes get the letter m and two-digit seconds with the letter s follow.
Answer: 9h45
